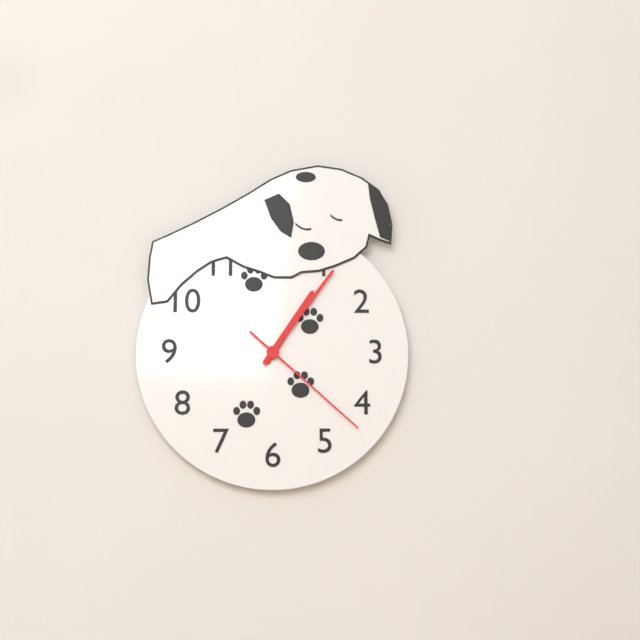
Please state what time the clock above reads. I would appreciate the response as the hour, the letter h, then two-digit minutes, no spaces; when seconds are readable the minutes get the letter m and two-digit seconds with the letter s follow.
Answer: 1h06m22s
